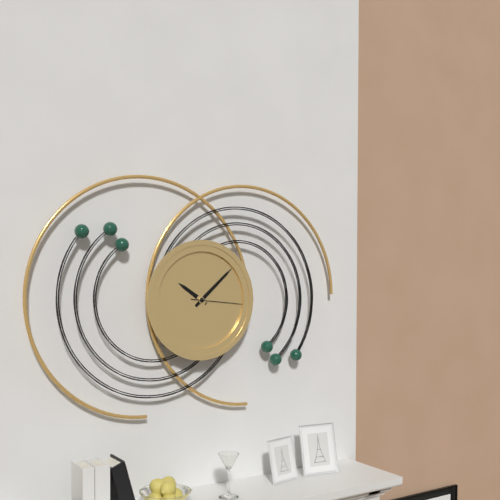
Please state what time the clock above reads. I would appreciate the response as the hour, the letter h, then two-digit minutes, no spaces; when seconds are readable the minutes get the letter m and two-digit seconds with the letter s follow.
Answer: 10h08m16s
